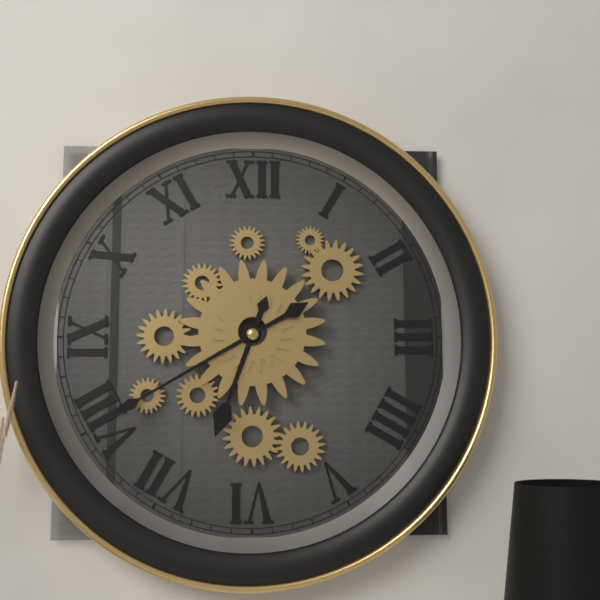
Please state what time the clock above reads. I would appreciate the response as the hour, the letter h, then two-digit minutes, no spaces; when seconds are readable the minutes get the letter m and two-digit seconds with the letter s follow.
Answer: 6h40
